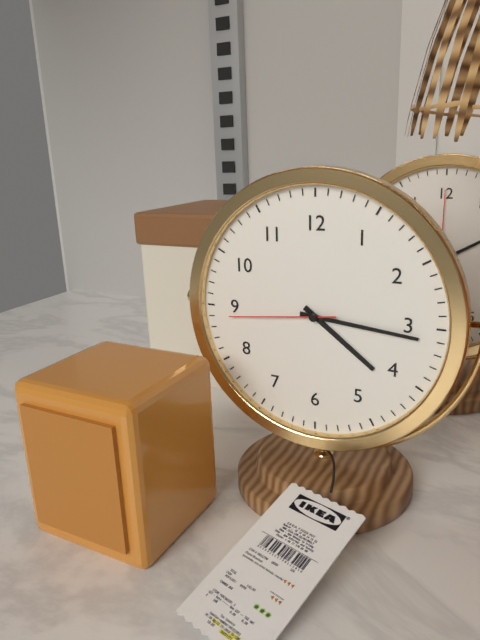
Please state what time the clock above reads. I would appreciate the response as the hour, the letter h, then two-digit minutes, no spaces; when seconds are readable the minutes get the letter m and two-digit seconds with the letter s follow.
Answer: 4h16m44s
